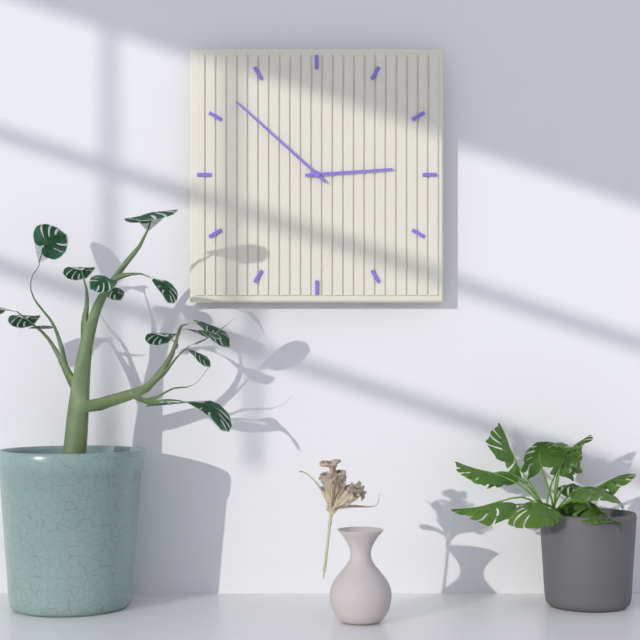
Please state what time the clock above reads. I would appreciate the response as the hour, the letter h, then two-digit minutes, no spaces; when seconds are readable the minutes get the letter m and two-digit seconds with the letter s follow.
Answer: 2h52
